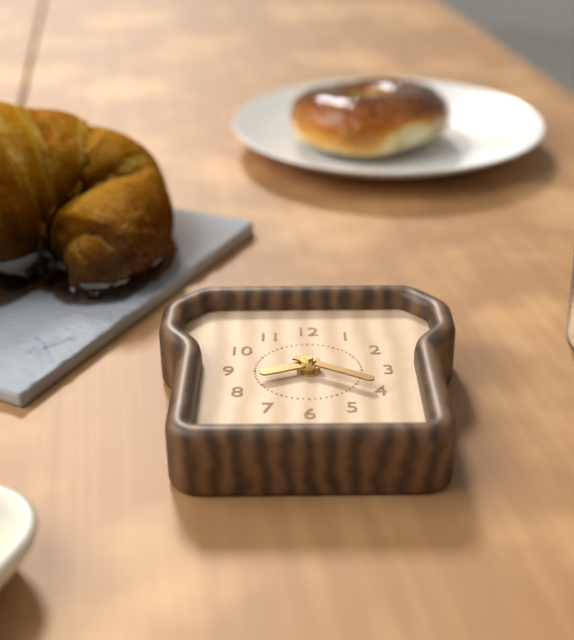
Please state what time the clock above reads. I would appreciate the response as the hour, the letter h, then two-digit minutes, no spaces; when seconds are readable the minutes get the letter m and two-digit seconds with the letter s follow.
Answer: 8h20
